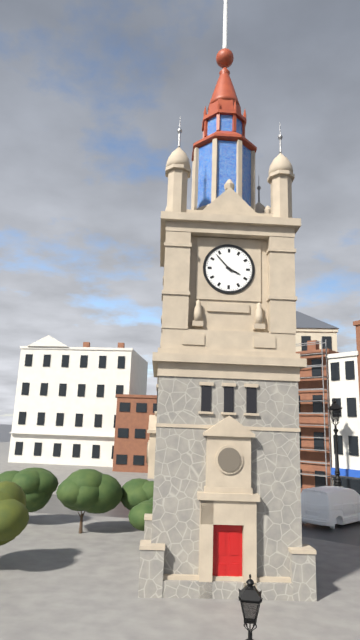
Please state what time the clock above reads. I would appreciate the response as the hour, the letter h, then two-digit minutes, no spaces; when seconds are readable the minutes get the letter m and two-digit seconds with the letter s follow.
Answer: 3h53
